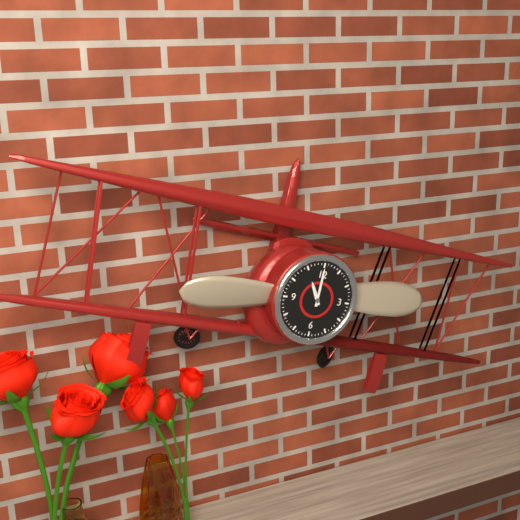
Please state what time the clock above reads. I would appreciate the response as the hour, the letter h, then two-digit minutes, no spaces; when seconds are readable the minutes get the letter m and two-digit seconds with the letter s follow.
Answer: 11h00
